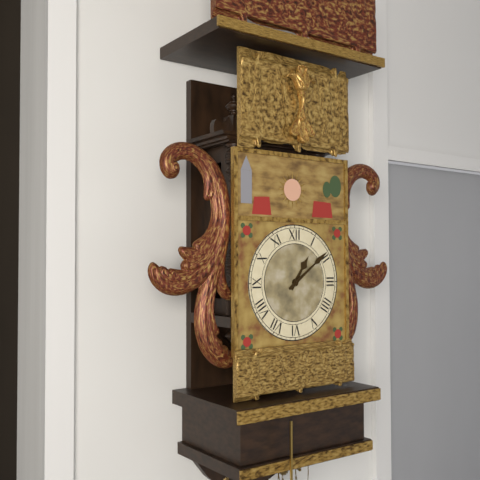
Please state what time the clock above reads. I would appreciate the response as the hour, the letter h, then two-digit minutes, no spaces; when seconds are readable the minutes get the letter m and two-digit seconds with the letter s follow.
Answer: 1h09
